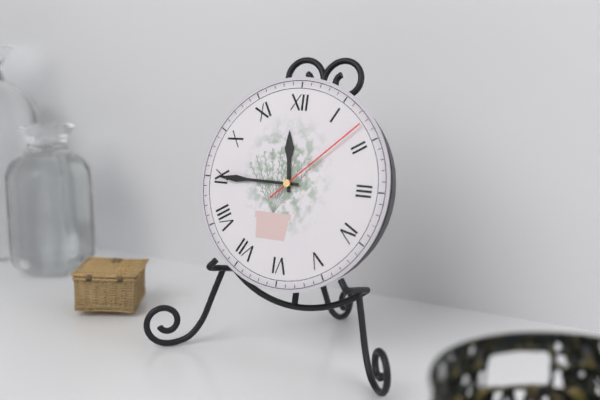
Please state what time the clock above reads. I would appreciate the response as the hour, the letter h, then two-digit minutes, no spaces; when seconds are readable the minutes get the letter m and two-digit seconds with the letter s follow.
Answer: 11h45m08s
